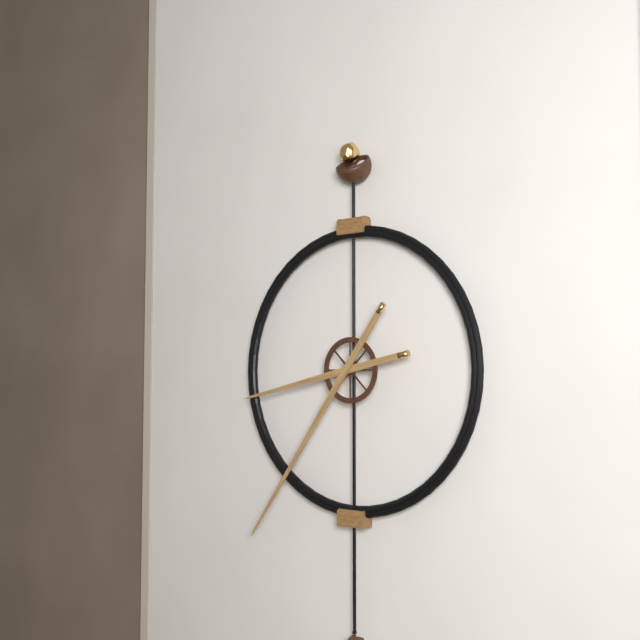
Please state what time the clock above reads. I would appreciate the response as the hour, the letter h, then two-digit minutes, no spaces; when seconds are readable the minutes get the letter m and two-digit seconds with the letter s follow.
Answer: 8h36
